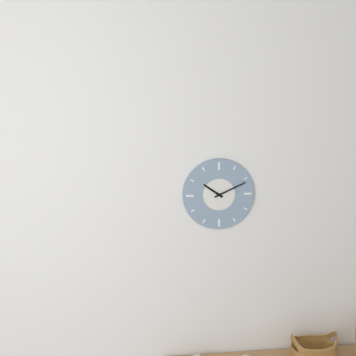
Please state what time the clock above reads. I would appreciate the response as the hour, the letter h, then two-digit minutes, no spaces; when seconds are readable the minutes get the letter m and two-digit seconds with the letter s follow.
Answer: 10h11
